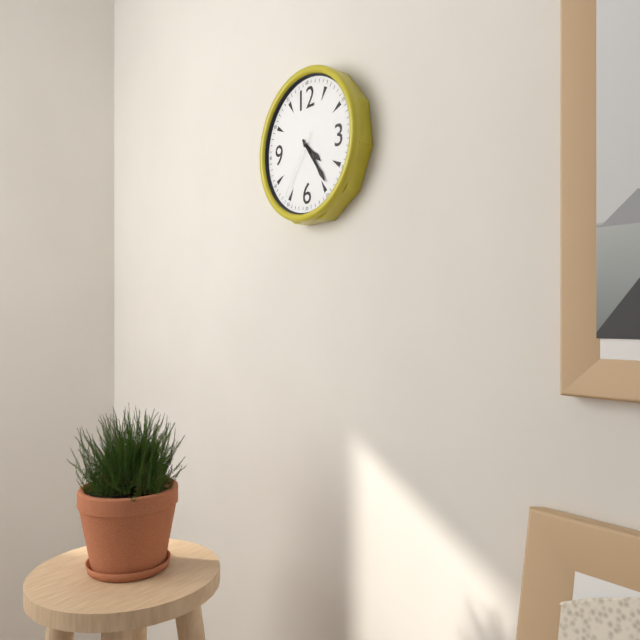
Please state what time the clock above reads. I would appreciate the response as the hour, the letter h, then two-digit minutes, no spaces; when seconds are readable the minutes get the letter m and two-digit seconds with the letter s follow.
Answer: 4h24m36s
